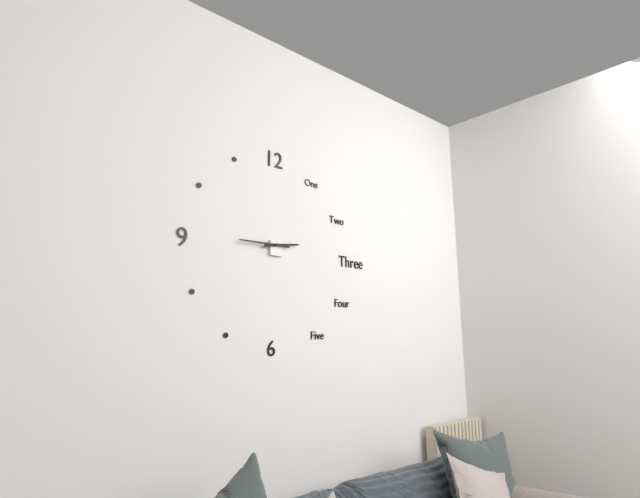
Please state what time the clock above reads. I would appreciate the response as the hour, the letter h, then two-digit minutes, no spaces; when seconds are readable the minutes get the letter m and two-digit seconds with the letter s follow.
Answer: 2h45
